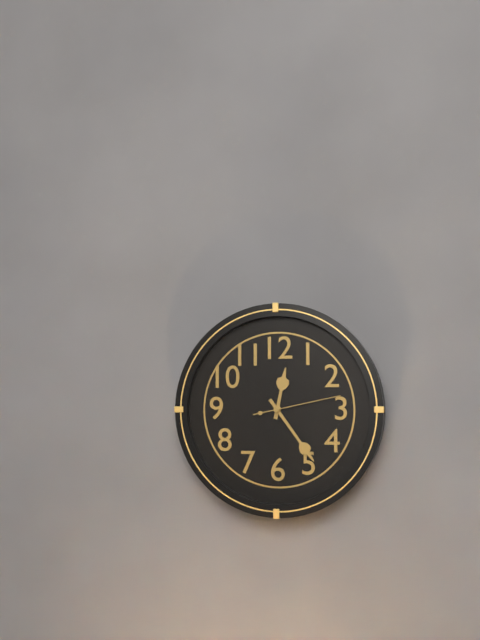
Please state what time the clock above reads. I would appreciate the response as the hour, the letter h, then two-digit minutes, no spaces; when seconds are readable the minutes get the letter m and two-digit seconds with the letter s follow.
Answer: 12h24m13s
